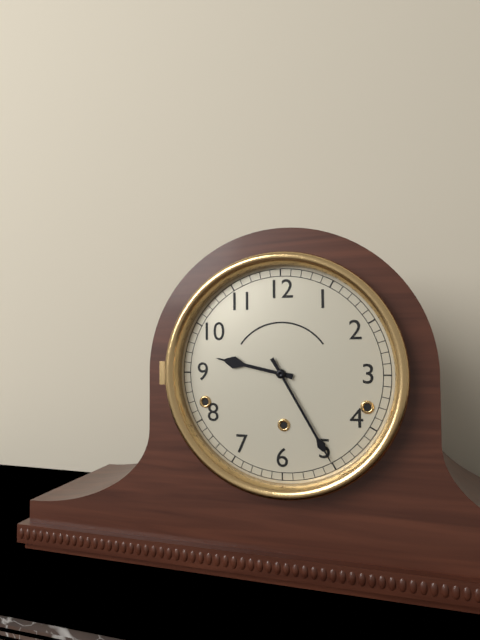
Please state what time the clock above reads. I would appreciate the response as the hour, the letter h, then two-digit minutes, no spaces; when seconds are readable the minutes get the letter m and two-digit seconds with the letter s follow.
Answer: 9h25
